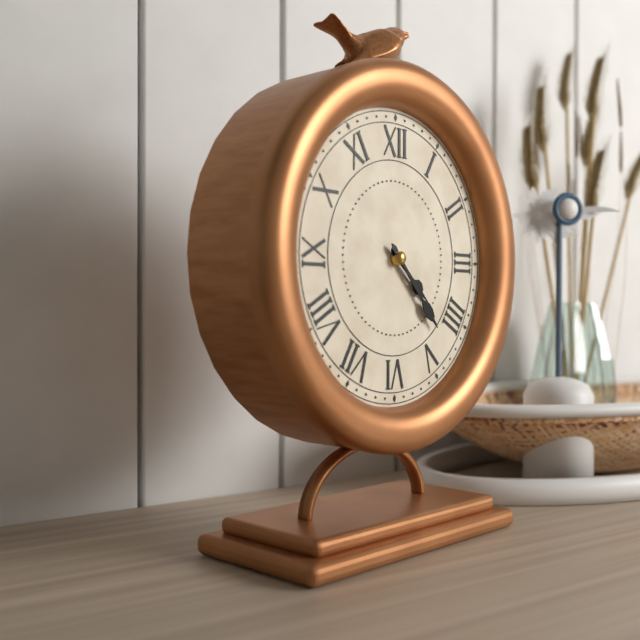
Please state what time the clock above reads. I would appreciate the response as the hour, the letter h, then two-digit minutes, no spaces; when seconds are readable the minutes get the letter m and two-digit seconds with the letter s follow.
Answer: 4h23
